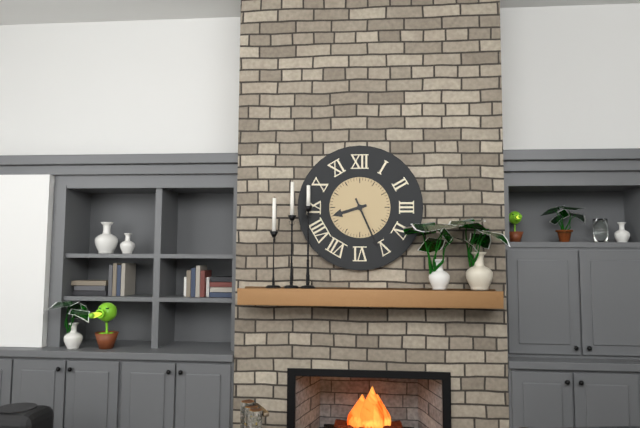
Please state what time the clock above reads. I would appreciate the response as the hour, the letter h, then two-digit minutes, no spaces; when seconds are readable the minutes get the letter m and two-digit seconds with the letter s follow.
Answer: 8h26
